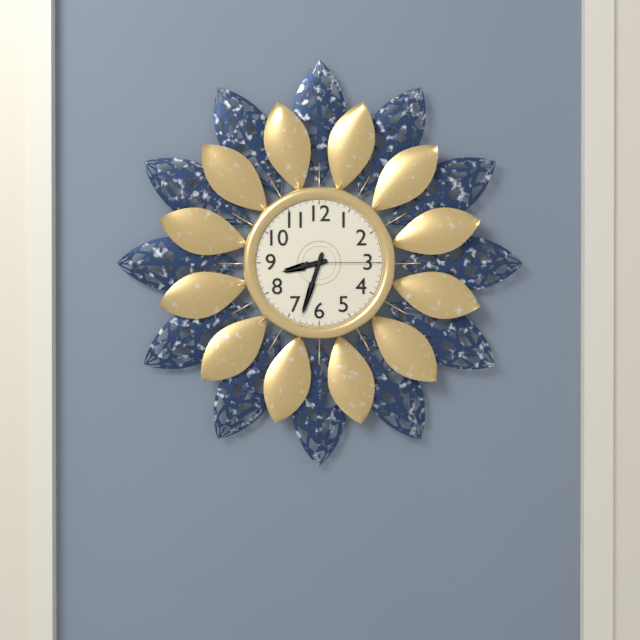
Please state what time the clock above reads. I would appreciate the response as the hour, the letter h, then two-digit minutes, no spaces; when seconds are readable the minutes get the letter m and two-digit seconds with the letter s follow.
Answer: 8h33m15s
